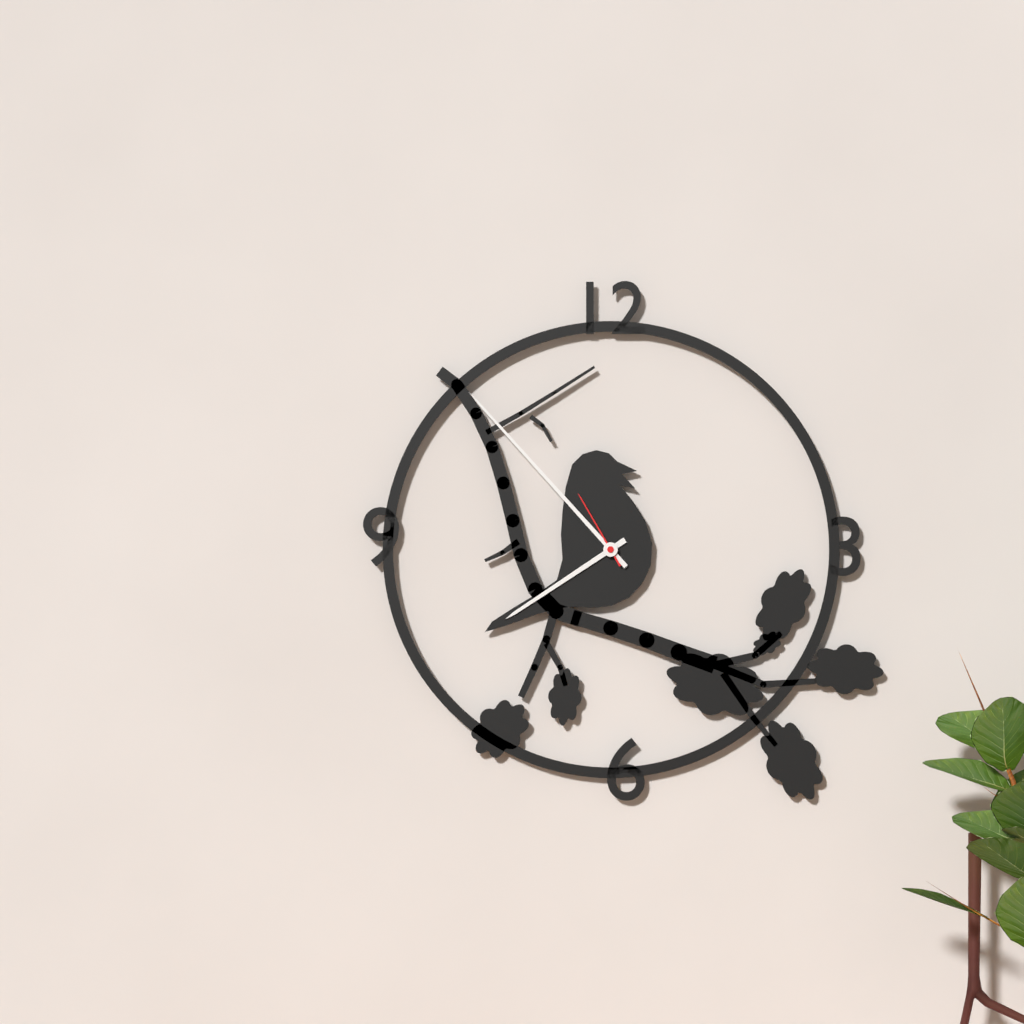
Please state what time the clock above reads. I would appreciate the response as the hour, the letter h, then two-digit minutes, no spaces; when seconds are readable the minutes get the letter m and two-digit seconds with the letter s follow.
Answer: 7h53m55s
